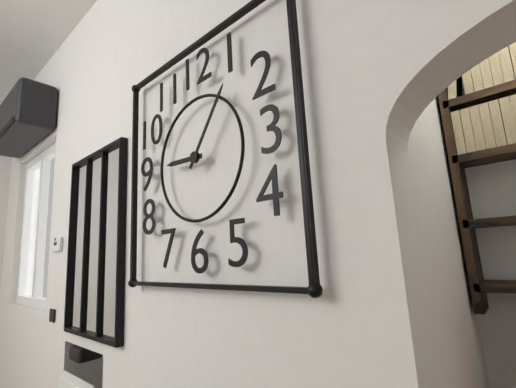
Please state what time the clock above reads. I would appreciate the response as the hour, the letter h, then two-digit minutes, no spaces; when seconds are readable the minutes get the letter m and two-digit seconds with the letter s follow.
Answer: 9h06
